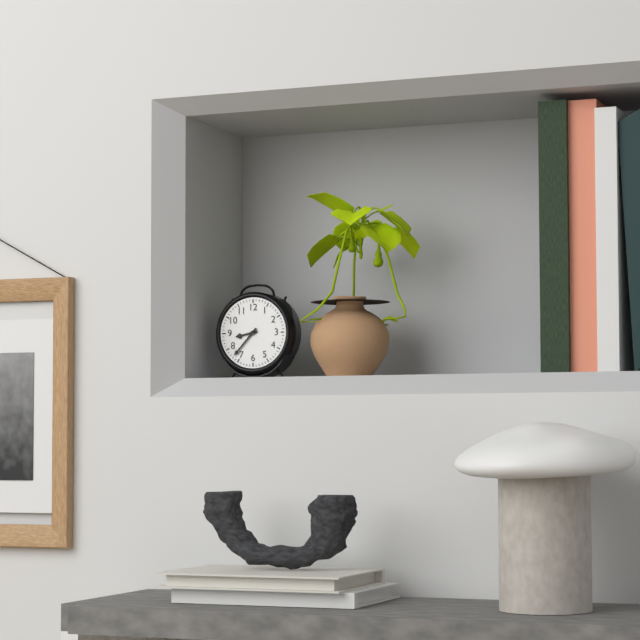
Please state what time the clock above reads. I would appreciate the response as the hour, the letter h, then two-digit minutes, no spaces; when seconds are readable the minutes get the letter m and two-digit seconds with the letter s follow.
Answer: 8h37
